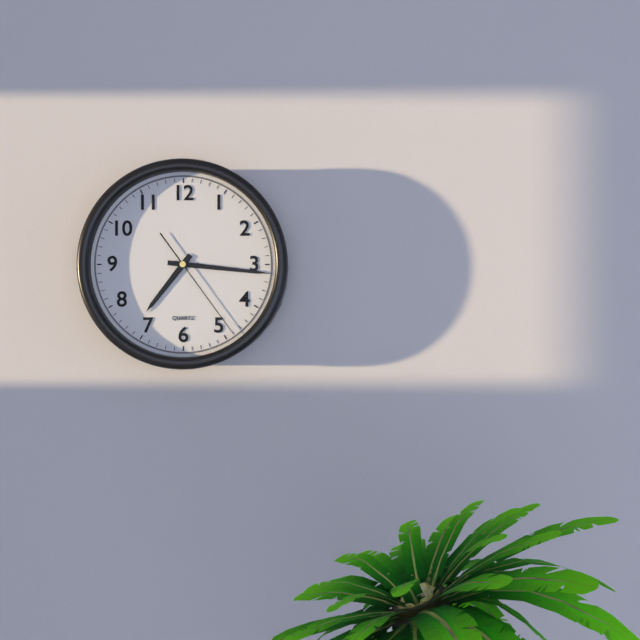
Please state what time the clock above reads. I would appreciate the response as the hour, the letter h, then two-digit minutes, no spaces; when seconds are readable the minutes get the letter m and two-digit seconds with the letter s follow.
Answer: 7h16m24s
